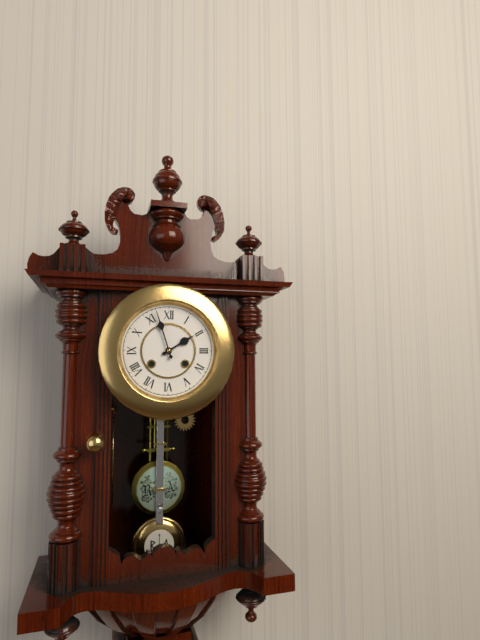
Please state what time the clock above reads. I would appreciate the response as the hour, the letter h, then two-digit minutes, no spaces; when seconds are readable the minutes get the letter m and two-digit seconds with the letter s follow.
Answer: 1h57
